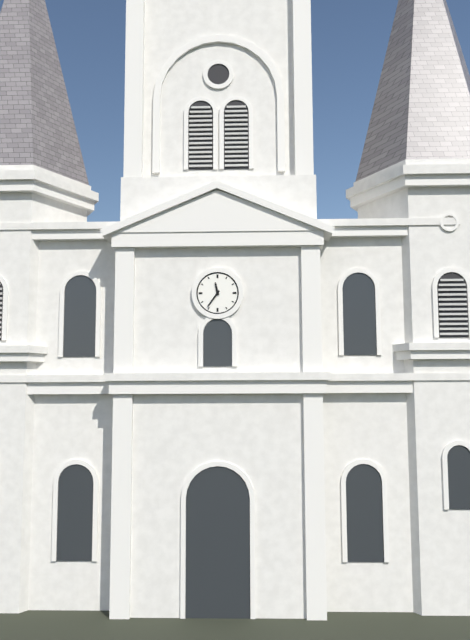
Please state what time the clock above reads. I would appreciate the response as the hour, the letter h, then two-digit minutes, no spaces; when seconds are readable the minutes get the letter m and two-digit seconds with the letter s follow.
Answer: 11h36
